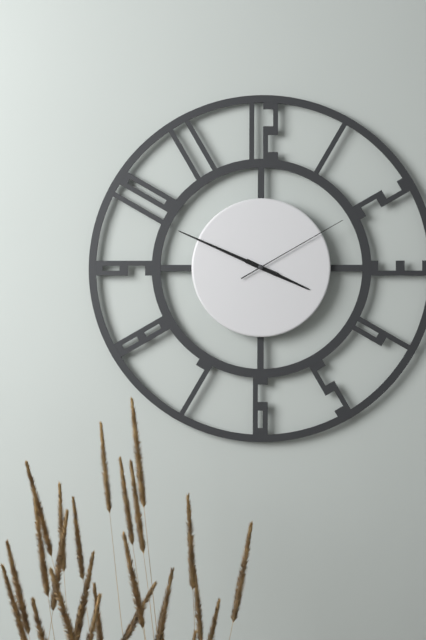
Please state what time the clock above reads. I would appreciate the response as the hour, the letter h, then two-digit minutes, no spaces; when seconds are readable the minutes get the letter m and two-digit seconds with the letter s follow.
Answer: 3h49m10s
